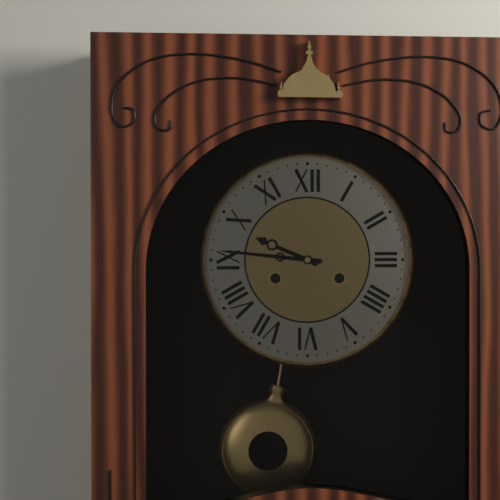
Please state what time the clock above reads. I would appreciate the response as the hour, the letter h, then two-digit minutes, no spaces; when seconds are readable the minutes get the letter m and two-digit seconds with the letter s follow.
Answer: 9h46
